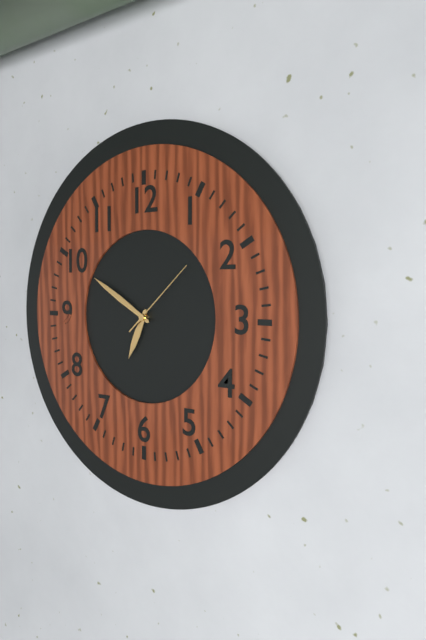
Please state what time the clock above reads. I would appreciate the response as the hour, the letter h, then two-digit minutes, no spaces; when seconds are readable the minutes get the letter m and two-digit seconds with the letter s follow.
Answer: 6h50m08s
